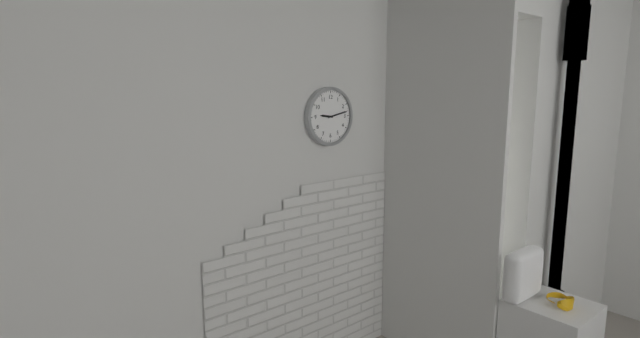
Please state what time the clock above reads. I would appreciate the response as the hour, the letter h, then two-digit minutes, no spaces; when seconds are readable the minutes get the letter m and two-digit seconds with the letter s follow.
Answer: 9h13
